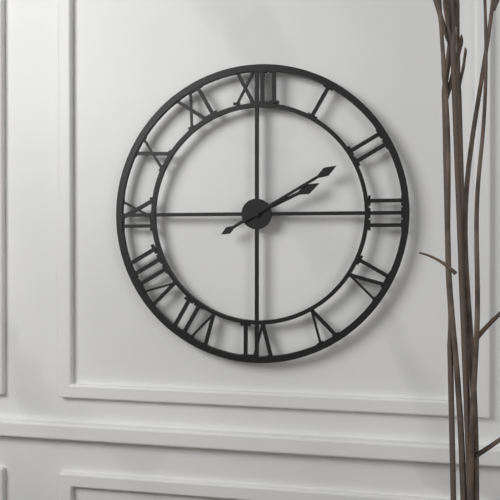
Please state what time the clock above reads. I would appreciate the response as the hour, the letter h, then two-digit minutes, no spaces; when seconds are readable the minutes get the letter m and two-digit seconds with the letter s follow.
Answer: 2h10
